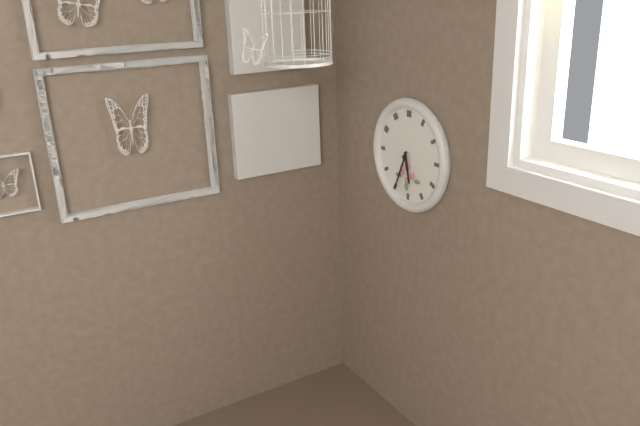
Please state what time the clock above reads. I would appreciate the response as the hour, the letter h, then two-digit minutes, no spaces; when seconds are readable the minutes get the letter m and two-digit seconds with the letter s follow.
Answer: 5h34
